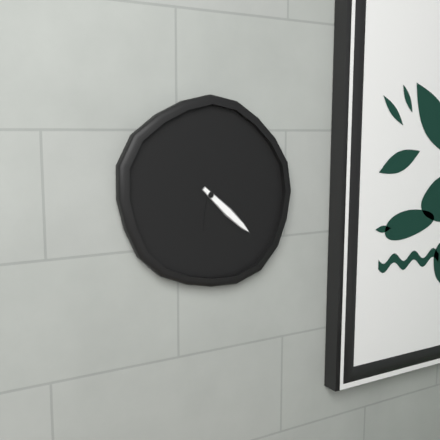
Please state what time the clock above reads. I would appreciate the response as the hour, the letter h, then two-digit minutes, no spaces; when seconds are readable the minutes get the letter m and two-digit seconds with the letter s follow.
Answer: 6h22
